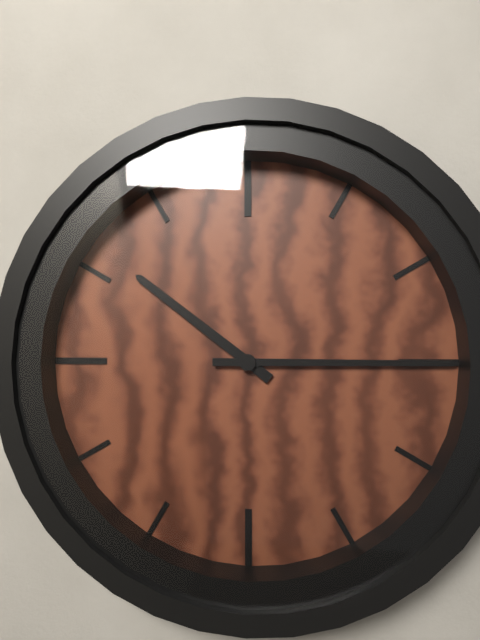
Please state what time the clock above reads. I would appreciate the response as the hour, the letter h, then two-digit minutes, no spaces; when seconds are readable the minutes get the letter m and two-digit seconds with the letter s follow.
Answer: 10h15
